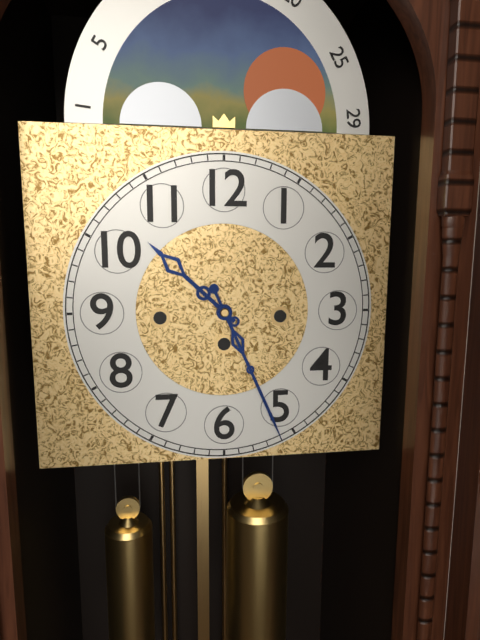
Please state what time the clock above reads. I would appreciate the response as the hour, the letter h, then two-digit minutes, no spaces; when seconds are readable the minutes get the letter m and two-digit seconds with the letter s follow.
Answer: 10h26
